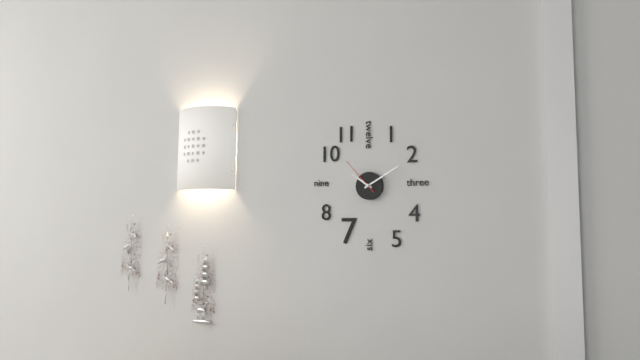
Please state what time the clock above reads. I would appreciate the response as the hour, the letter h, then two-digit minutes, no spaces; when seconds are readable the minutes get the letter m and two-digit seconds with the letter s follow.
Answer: 10h10
